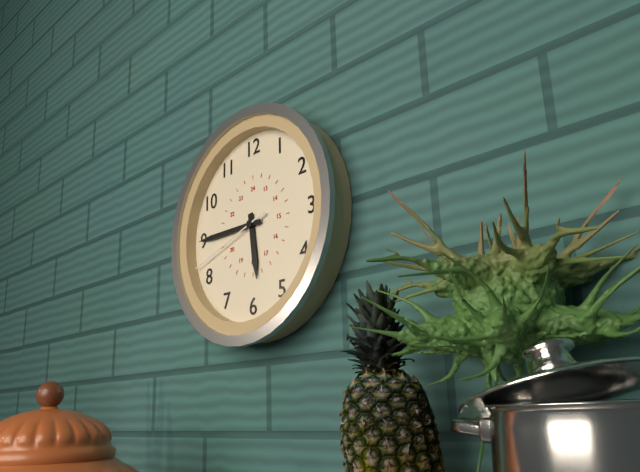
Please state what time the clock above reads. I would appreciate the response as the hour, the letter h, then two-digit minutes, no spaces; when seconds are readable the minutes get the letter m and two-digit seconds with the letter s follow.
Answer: 5h45m42s
